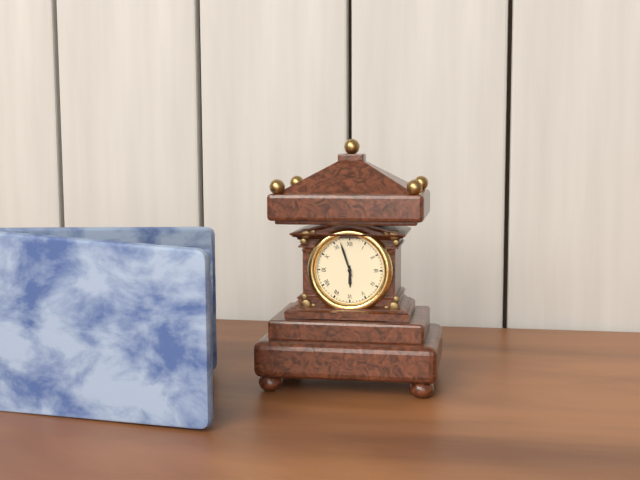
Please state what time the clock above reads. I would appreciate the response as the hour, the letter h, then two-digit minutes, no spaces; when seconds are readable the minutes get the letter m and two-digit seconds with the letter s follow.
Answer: 5h57
